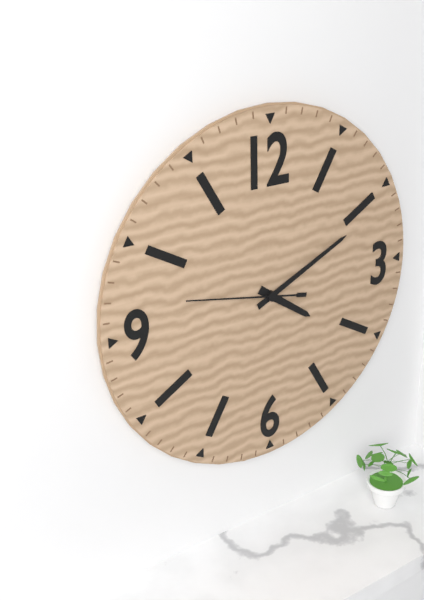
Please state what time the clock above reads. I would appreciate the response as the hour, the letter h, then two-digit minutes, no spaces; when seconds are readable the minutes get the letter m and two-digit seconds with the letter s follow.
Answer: 4h11m47s
